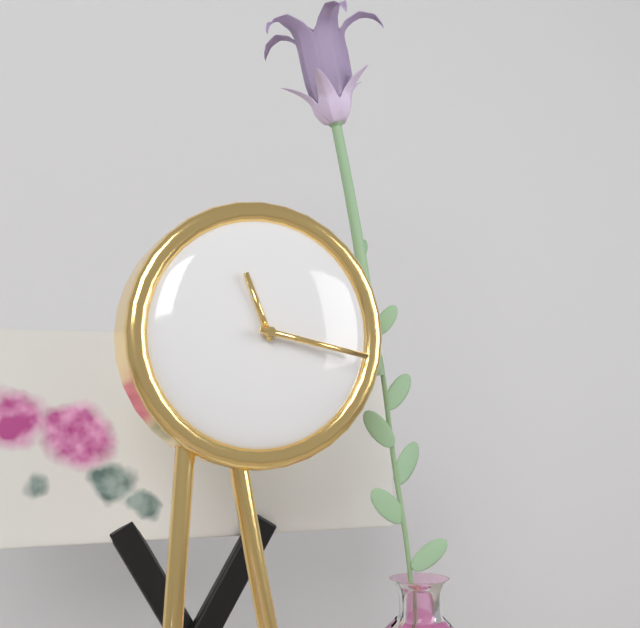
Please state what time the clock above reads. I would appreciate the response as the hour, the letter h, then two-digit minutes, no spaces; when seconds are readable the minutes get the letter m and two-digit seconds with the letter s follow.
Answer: 11h17
